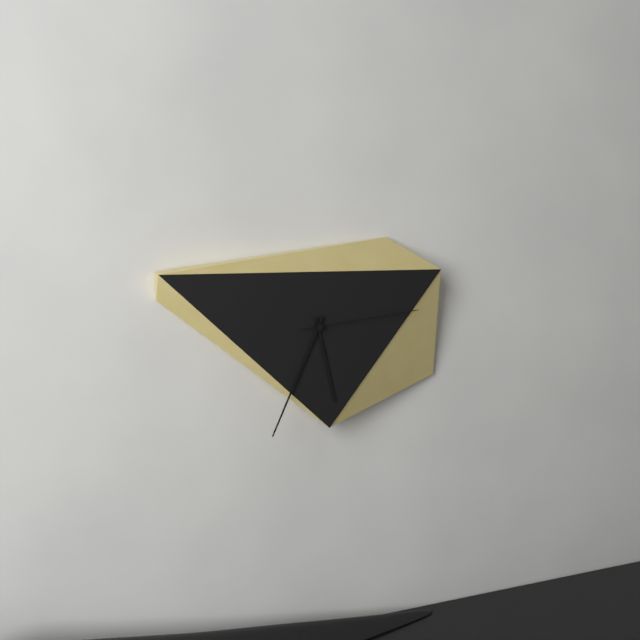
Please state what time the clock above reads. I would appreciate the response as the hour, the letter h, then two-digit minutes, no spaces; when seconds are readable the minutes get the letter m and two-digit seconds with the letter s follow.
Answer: 5h34m14s
